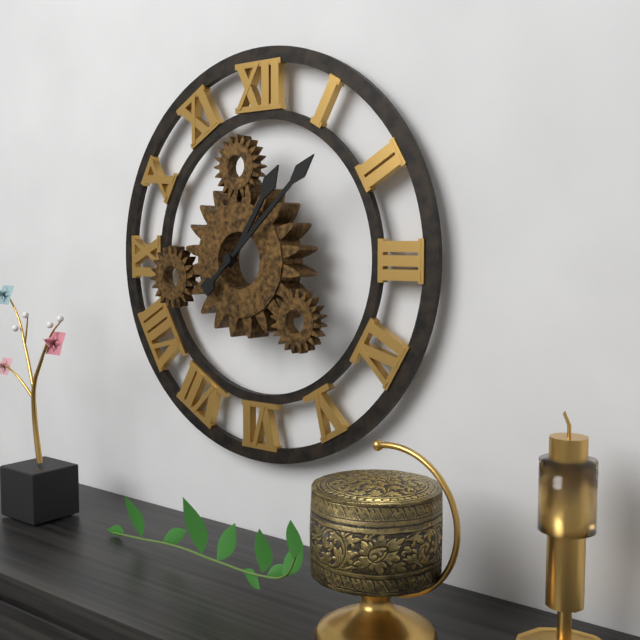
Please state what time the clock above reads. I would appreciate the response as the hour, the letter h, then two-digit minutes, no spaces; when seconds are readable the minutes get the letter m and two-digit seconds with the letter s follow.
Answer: 1h08
